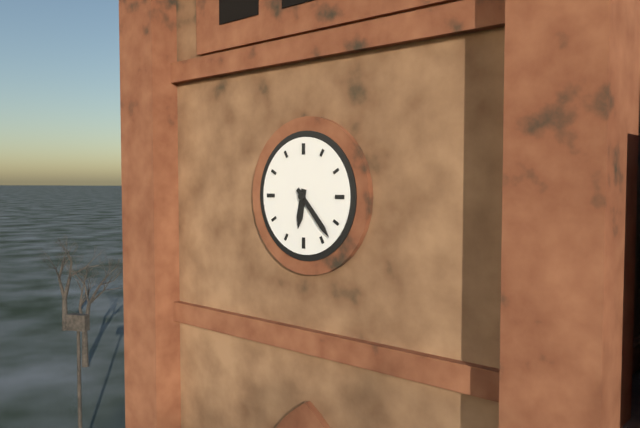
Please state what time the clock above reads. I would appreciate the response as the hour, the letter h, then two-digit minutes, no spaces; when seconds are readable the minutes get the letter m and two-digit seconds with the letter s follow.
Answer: 6h23
